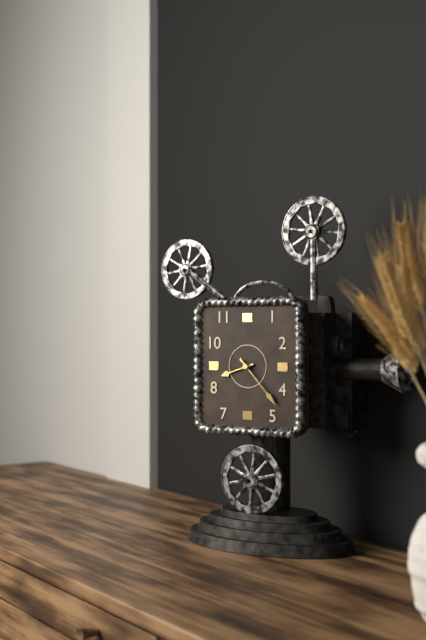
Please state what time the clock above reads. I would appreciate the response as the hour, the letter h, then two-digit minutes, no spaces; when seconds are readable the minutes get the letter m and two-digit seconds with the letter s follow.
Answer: 8h23
